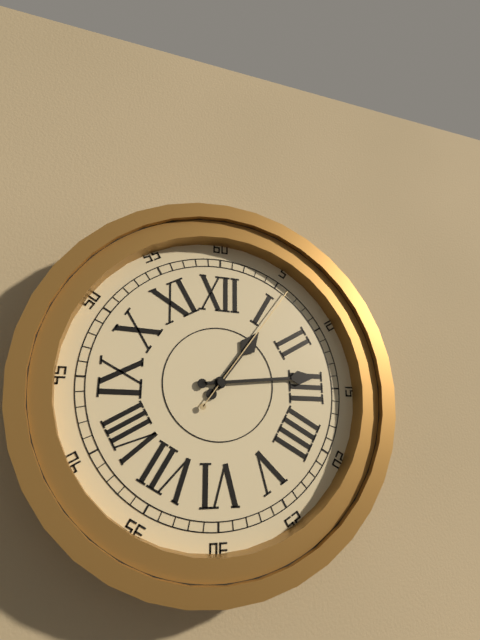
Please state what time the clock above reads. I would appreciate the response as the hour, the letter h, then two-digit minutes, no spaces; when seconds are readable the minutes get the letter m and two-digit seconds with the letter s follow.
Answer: 1h14m06s
